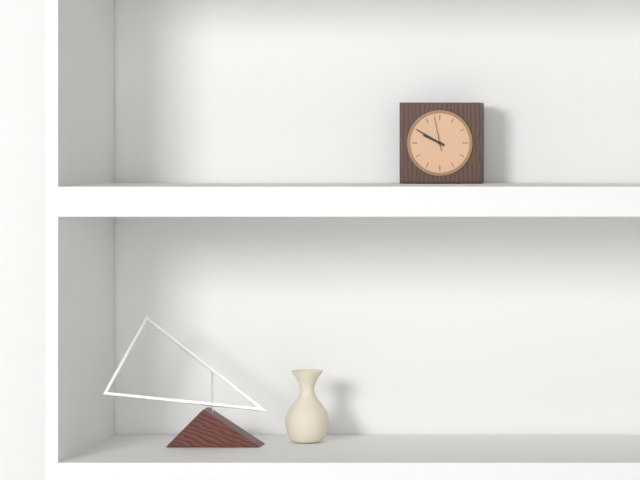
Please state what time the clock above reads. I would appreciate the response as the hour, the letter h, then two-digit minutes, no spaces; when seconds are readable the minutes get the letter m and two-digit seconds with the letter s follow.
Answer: 9h50
